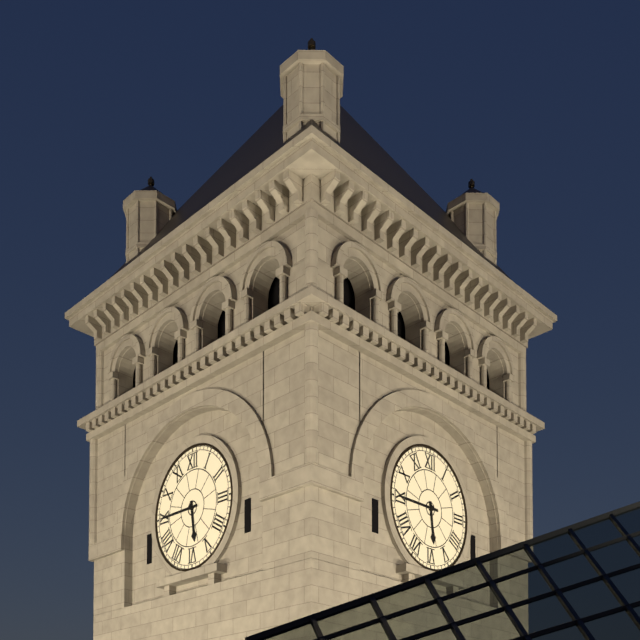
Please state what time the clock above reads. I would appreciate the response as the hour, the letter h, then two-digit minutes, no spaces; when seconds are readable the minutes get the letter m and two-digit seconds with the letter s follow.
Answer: 5h45
